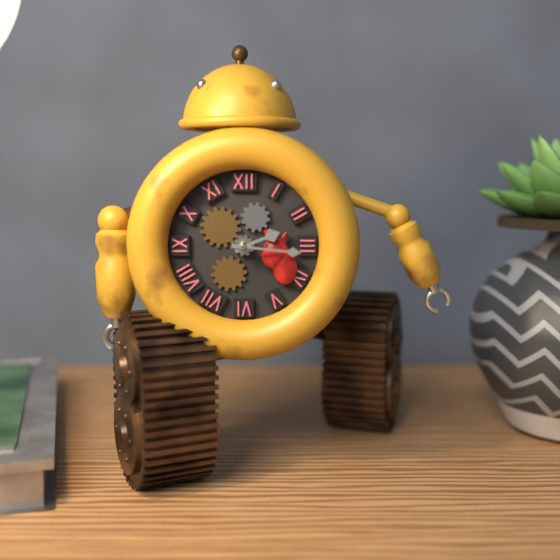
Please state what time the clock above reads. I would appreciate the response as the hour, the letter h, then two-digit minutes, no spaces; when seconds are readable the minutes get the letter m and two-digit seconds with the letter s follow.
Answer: 2h16
